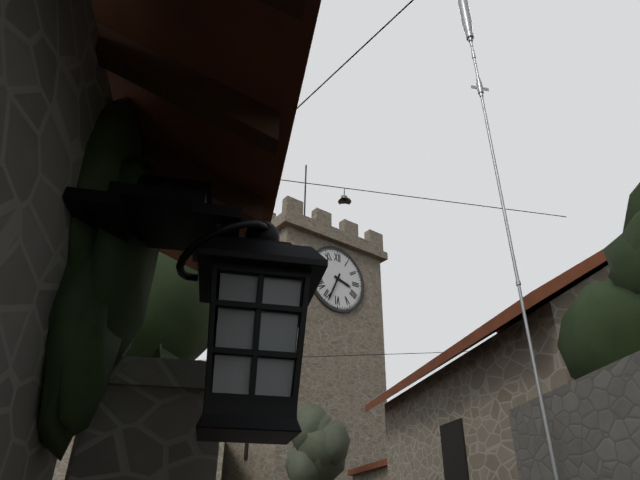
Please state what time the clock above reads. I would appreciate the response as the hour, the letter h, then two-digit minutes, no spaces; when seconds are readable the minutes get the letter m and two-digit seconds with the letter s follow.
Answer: 3h34
